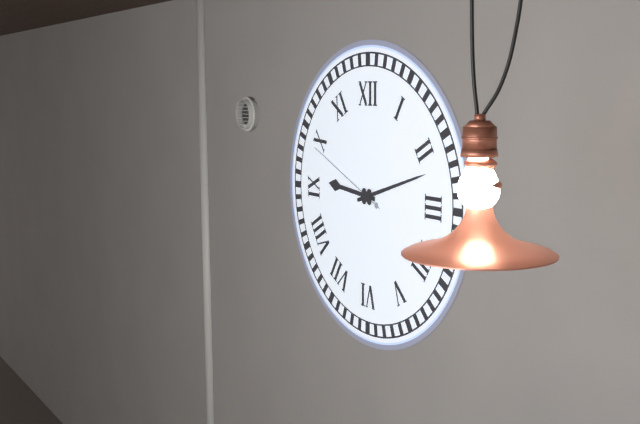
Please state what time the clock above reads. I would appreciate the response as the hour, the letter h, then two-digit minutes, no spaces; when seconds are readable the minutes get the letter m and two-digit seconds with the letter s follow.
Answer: 9h12m49s
